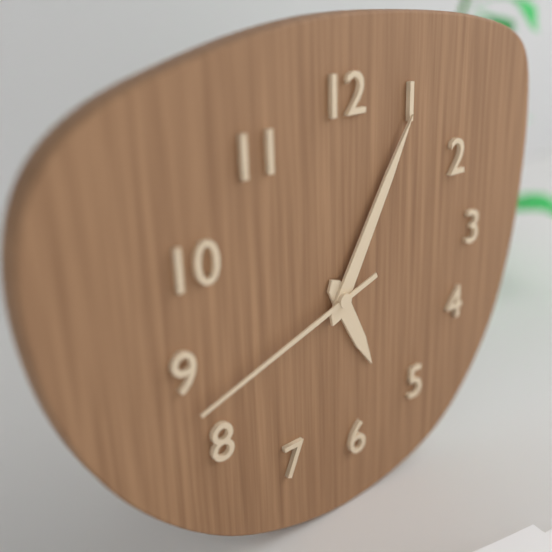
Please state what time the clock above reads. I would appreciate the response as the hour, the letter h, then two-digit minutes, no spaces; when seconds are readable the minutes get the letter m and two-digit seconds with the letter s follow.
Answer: 5h05m42s
